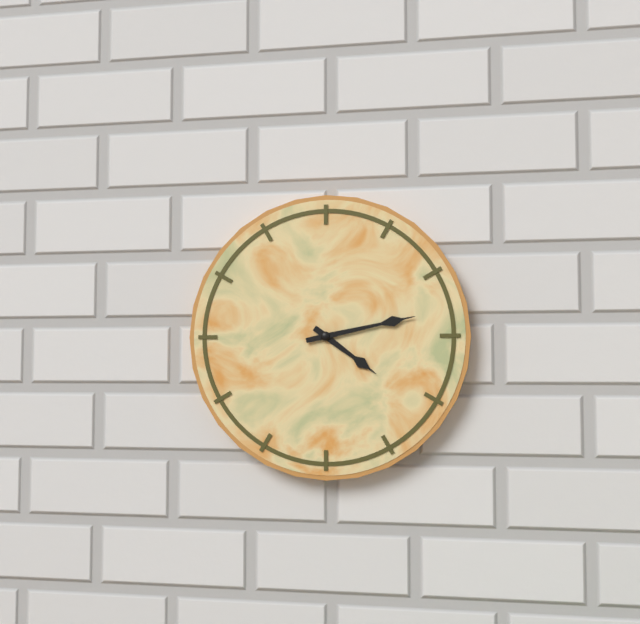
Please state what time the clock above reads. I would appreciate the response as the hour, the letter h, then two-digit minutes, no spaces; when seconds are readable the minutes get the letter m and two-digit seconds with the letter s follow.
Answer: 4h13
